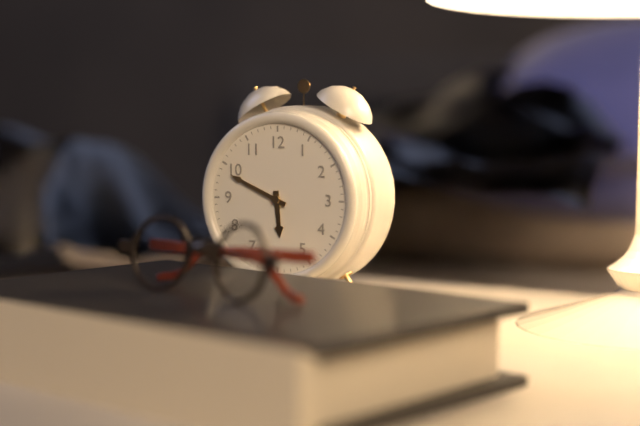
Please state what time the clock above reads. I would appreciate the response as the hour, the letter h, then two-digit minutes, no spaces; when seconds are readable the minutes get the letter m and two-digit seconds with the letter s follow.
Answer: 5h49
